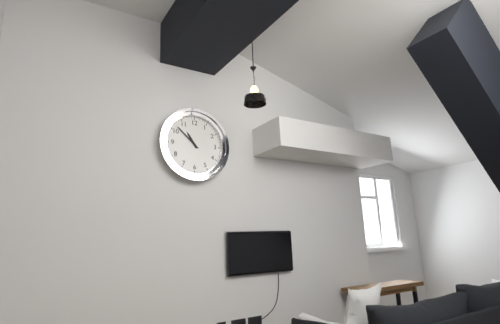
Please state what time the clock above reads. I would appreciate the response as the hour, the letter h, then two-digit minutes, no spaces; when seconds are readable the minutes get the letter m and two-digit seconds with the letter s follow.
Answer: 10h52
